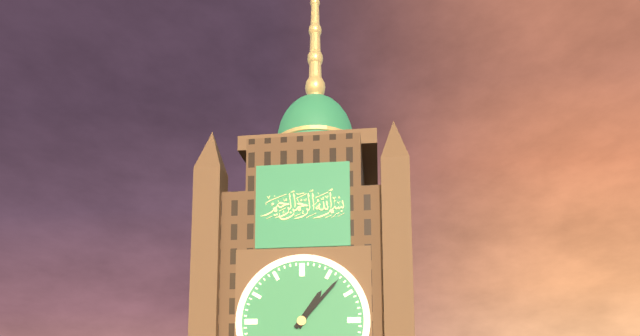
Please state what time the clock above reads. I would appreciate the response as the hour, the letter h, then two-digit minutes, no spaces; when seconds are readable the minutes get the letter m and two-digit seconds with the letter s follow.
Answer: 1h07
